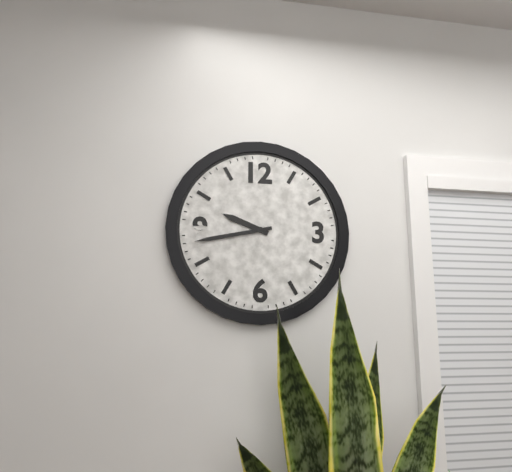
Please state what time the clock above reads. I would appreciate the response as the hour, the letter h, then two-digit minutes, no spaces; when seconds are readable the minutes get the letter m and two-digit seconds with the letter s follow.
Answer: 9h43
